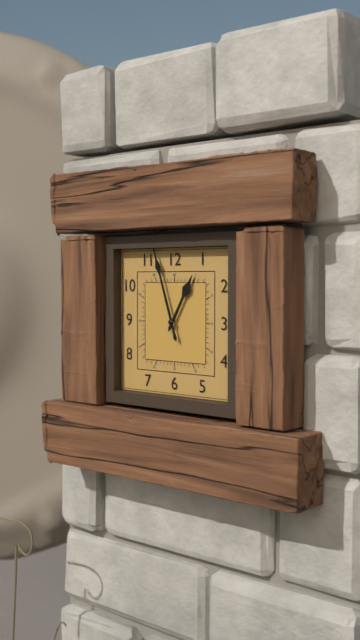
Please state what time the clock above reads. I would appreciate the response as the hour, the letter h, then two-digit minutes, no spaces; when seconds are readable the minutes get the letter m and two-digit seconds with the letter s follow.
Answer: 12h57
